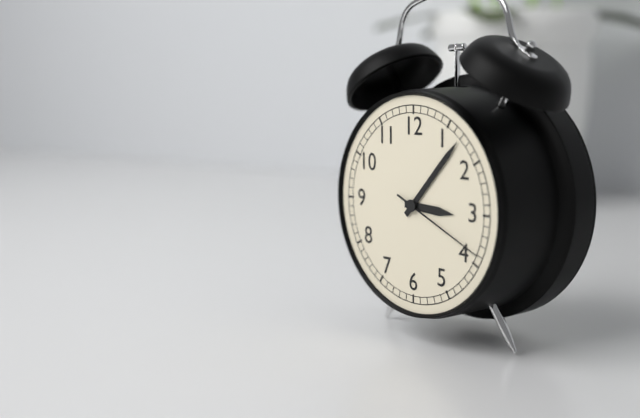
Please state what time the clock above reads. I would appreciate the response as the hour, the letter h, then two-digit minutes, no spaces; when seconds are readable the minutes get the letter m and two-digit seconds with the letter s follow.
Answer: 3h07m19s
